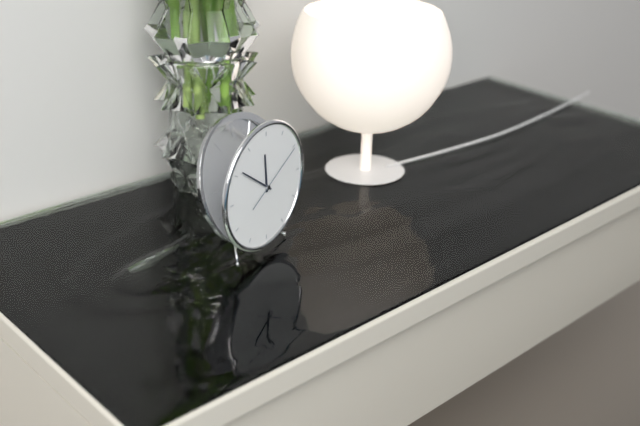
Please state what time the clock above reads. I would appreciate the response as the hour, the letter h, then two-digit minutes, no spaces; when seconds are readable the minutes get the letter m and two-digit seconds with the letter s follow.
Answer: 11h51m10s
